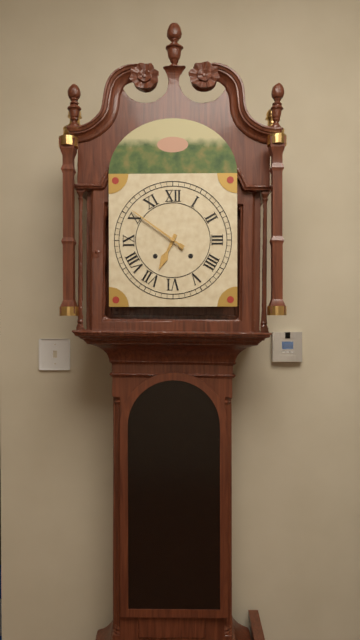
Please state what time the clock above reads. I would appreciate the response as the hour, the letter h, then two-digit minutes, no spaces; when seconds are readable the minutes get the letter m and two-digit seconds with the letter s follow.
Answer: 6h51
